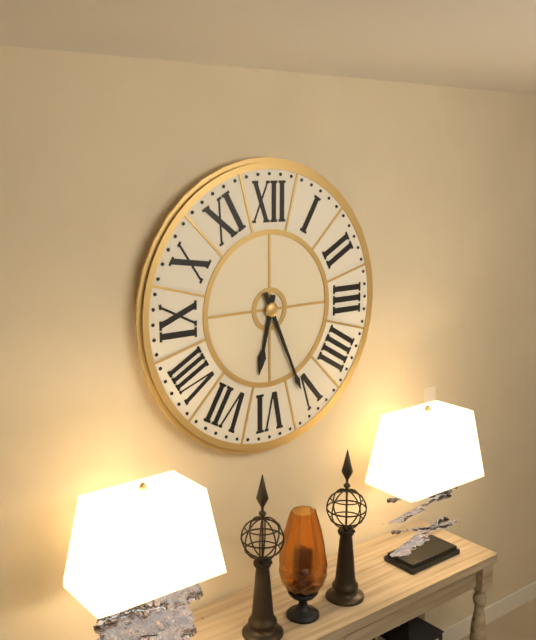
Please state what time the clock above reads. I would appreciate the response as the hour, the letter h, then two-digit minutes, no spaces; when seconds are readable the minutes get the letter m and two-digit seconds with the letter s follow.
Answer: 6h26
